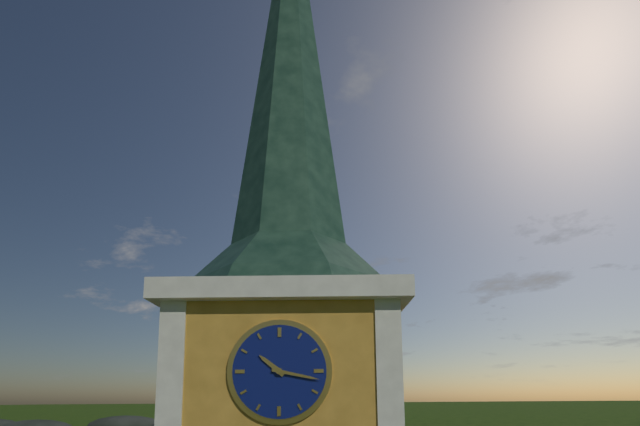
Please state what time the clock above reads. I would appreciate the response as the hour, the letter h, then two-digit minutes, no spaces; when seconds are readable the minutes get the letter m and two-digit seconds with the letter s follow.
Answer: 10h17
